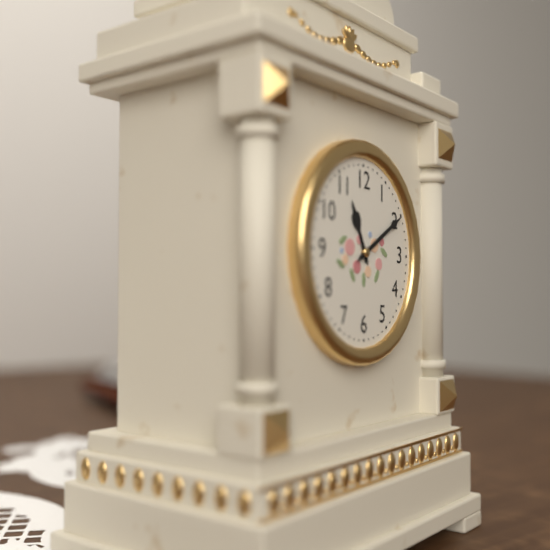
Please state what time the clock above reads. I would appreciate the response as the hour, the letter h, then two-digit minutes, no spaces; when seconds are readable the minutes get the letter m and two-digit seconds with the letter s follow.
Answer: 11h10
